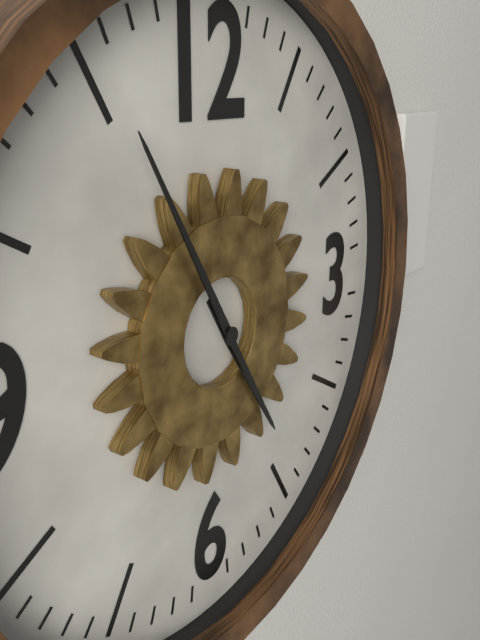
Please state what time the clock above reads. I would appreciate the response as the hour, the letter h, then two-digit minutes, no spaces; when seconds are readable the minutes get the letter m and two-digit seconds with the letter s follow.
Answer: 4h55
